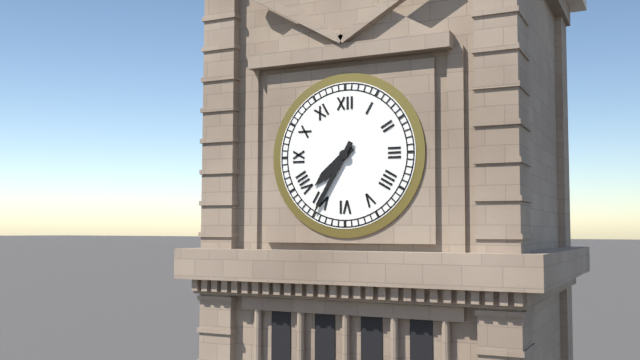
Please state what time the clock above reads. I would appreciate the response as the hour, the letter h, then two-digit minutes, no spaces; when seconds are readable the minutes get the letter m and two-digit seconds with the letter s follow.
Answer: 7h35
